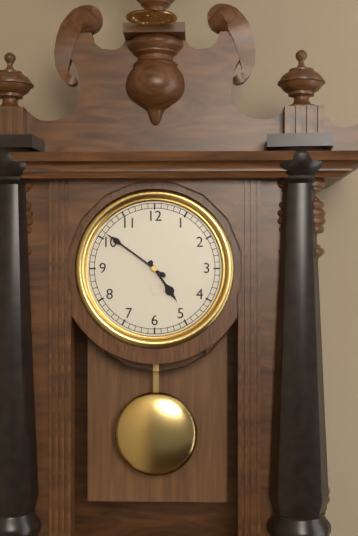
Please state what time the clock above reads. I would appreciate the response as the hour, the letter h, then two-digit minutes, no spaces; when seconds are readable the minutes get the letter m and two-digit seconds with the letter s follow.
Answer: 4h51
